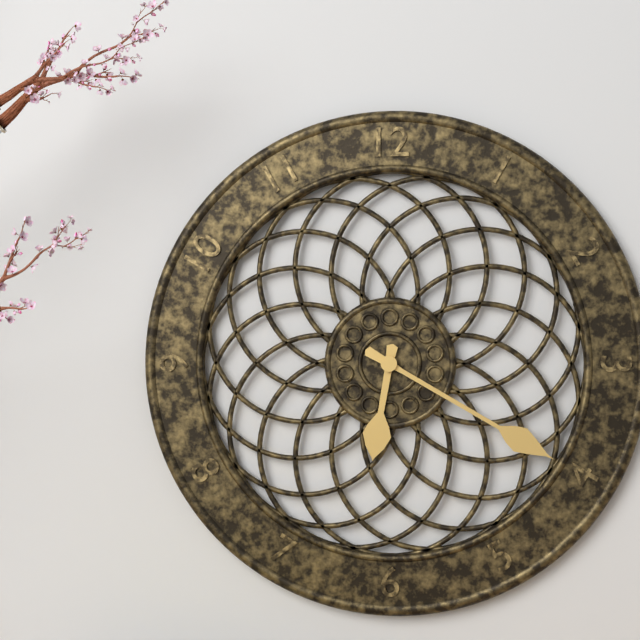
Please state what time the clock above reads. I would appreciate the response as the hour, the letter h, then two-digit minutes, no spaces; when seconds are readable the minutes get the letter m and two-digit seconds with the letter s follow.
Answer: 6h20
